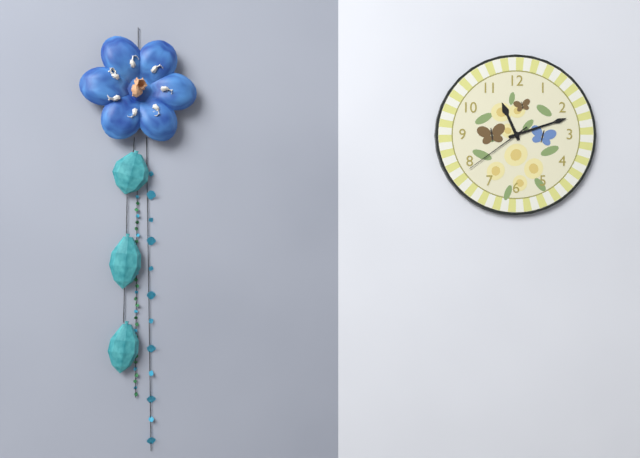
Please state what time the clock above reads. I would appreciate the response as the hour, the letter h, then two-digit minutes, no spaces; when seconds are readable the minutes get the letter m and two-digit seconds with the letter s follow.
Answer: 11h12m39s
